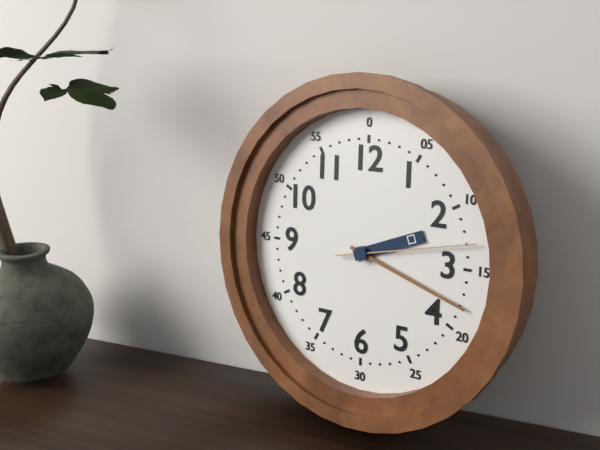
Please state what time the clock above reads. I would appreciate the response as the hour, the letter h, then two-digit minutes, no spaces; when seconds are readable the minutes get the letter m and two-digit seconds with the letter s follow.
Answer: 2h18m13s
